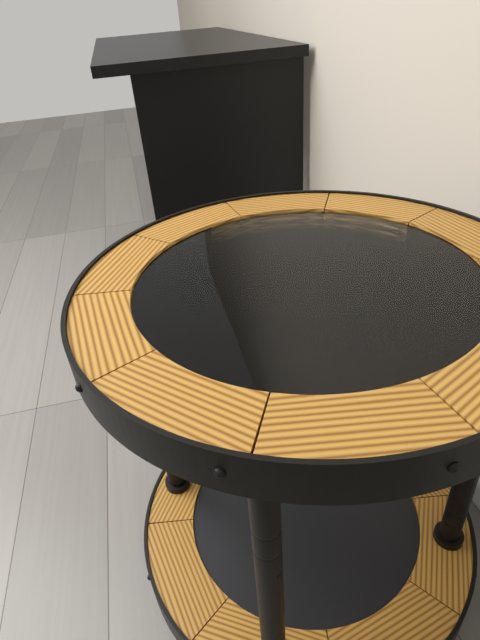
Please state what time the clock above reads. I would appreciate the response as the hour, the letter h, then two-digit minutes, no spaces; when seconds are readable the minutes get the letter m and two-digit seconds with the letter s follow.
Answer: 2h19
